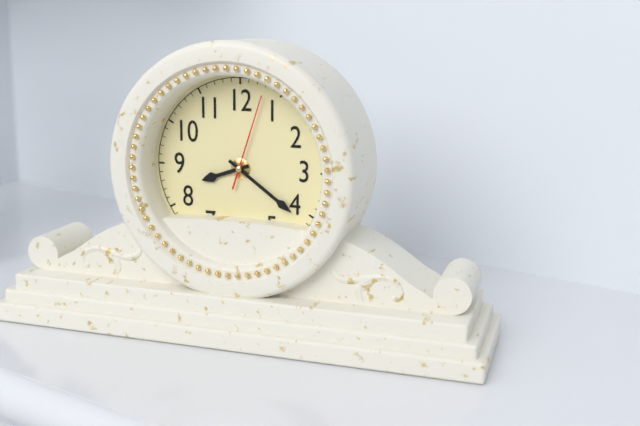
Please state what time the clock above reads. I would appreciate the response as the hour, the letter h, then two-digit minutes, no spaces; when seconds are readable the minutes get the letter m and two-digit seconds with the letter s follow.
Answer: 8h21m03s
